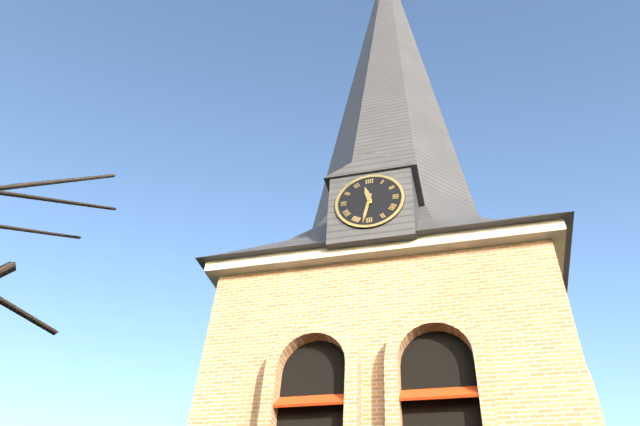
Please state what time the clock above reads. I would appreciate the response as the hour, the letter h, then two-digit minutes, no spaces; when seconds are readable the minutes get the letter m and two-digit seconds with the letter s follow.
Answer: 11h32
